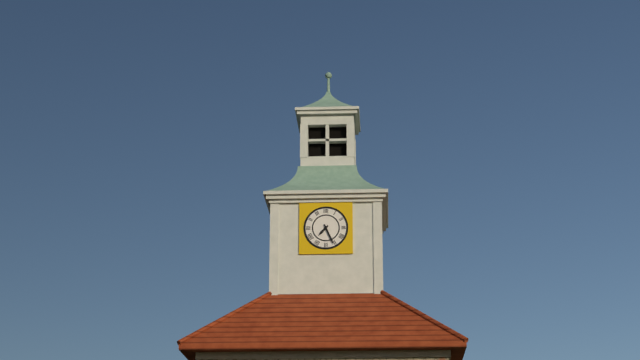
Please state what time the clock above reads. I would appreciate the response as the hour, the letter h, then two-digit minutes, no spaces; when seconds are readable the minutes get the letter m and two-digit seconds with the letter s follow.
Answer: 7h26
